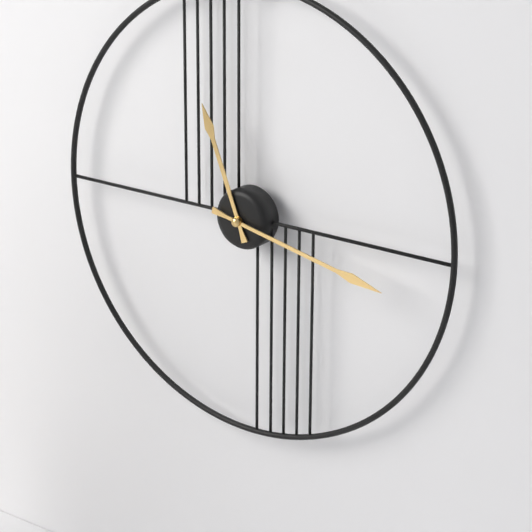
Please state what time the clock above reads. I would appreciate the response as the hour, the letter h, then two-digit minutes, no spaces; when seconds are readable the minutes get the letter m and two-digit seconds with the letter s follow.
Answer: 11h17
